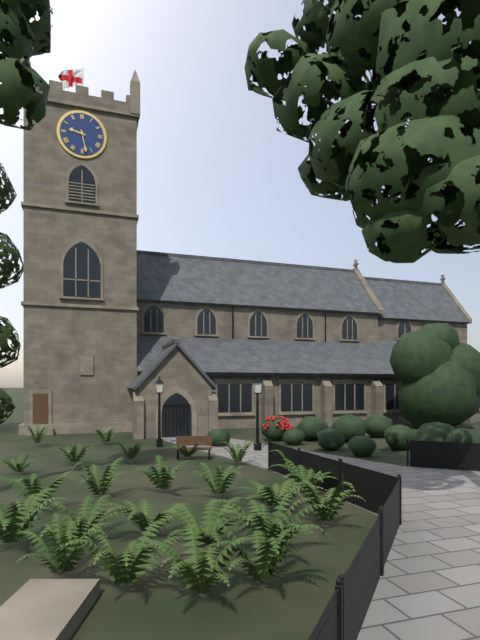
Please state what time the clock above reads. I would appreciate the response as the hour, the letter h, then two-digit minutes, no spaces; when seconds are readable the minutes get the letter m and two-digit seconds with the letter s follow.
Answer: 9h28
